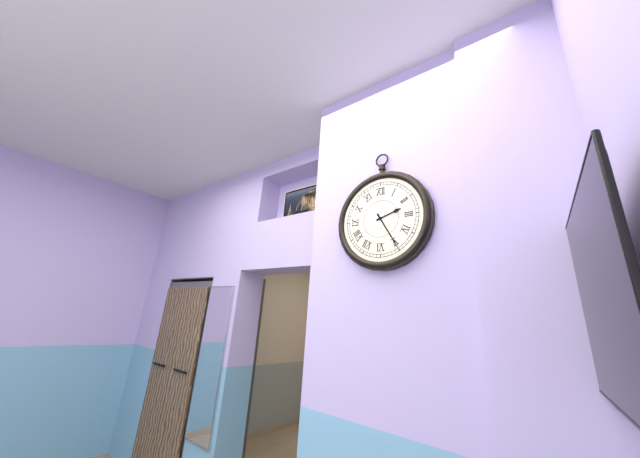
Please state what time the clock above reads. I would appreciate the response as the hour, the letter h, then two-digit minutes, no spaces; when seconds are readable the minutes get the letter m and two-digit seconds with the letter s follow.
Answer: 2h25
